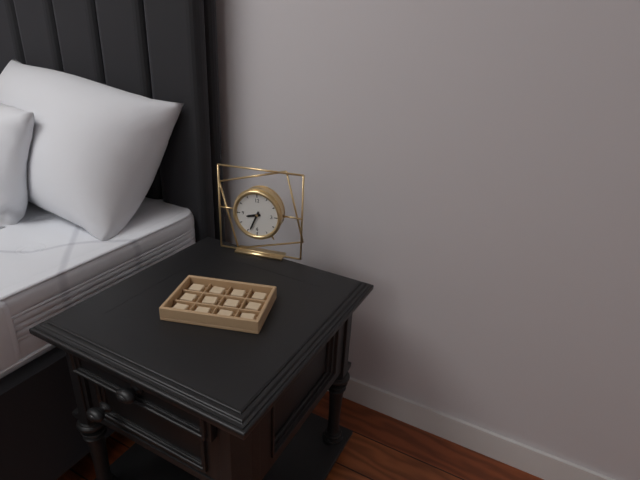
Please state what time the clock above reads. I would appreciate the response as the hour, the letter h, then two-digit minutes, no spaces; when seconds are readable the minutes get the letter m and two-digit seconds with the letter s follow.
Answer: 8h34
